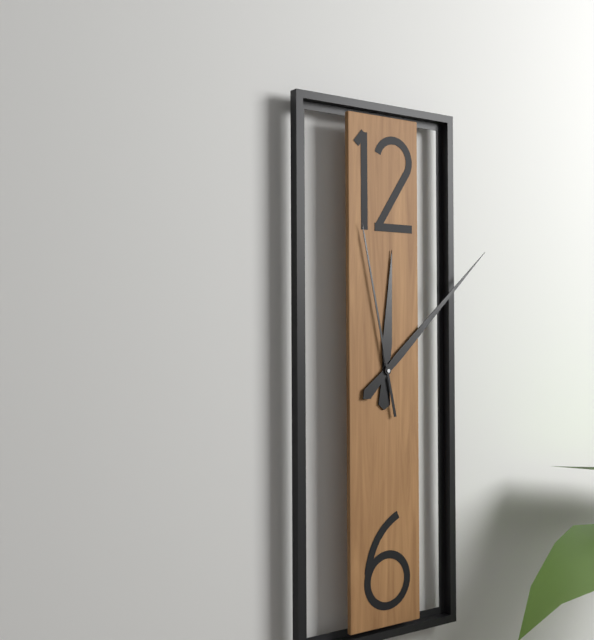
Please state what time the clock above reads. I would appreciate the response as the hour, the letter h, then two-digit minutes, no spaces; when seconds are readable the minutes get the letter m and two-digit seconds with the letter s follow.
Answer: 12h08m58s
